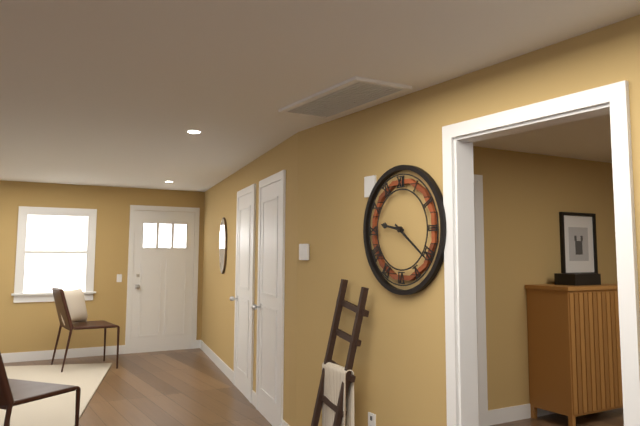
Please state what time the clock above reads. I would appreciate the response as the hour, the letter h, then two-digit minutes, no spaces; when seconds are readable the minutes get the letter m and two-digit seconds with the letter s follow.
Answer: 9h21
